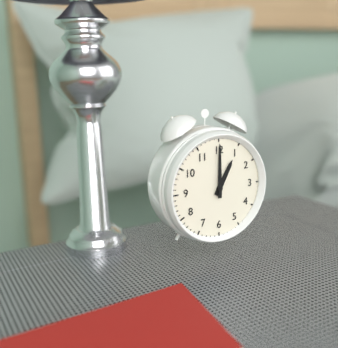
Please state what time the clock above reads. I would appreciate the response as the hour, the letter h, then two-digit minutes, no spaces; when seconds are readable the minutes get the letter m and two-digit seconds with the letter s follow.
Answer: 1h00
